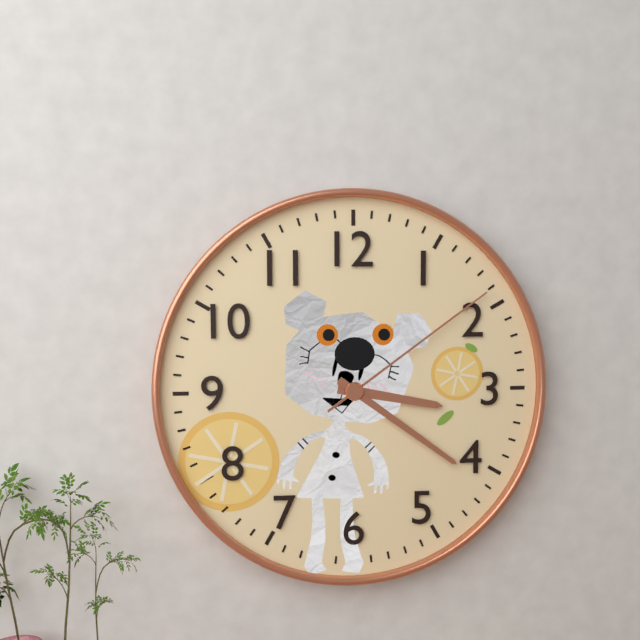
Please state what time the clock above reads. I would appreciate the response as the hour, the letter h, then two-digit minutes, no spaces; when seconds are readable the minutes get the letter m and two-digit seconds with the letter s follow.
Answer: 3h21m09s
